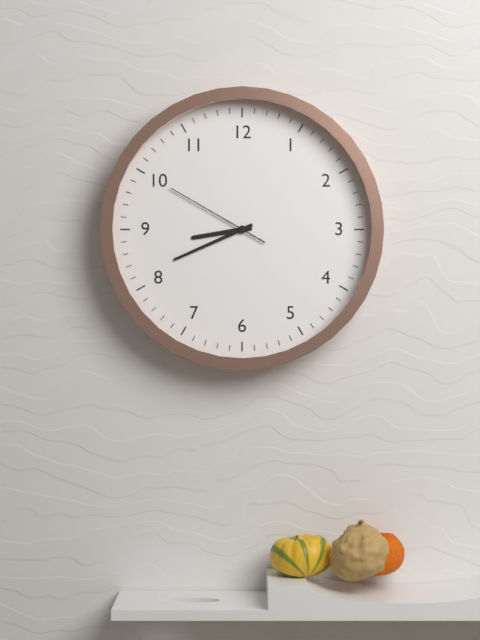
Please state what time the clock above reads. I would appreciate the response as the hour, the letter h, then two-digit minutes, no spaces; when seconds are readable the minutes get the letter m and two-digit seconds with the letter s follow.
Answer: 8h41m50s
